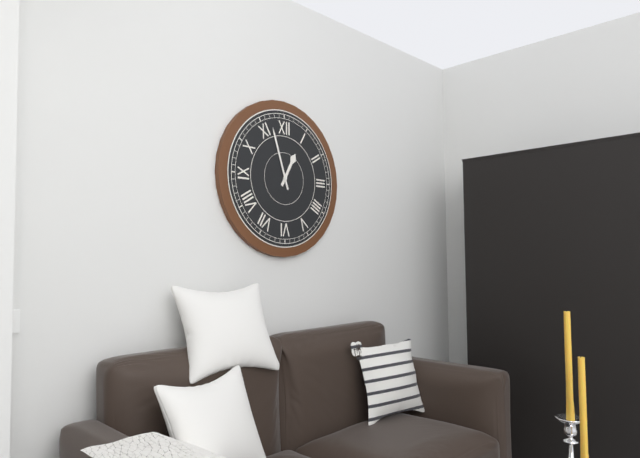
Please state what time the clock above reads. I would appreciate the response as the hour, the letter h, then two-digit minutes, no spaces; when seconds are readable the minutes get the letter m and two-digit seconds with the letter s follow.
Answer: 12h57
